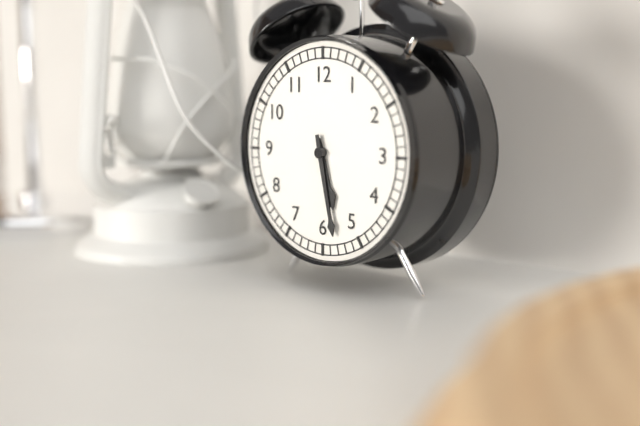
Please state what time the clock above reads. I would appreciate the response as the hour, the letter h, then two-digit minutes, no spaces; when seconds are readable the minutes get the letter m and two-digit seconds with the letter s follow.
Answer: 5h28
